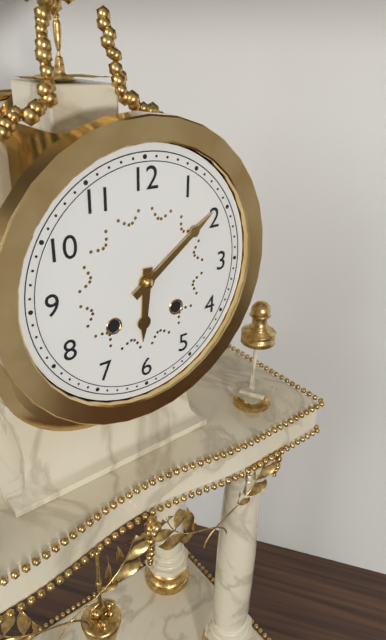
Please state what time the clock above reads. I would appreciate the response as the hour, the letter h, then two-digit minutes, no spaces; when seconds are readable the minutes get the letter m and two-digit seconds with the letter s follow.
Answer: 6h09
